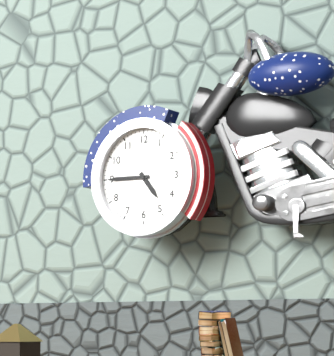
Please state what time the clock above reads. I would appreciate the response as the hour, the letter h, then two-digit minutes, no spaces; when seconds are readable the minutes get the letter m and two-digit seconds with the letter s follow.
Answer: 4h45
